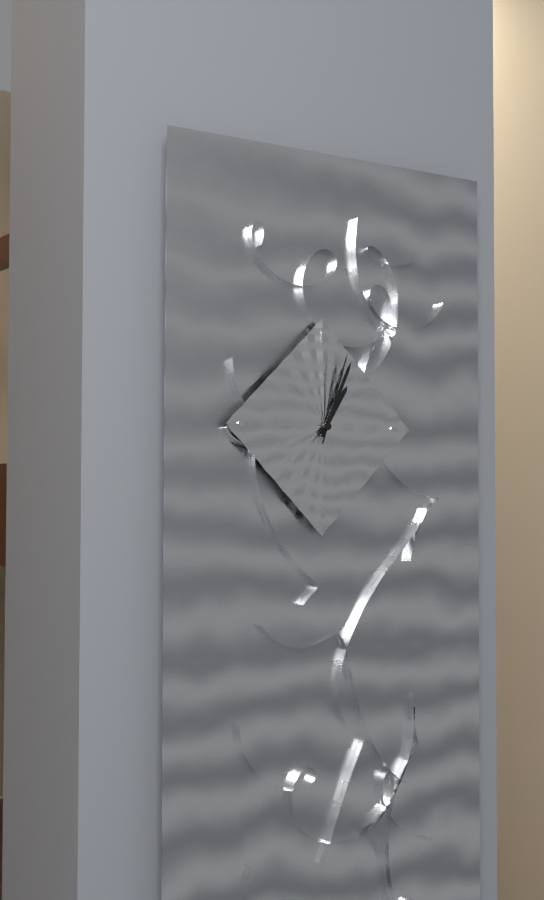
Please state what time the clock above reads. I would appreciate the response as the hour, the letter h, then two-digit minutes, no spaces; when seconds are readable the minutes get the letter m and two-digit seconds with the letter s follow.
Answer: 1h04m03s
